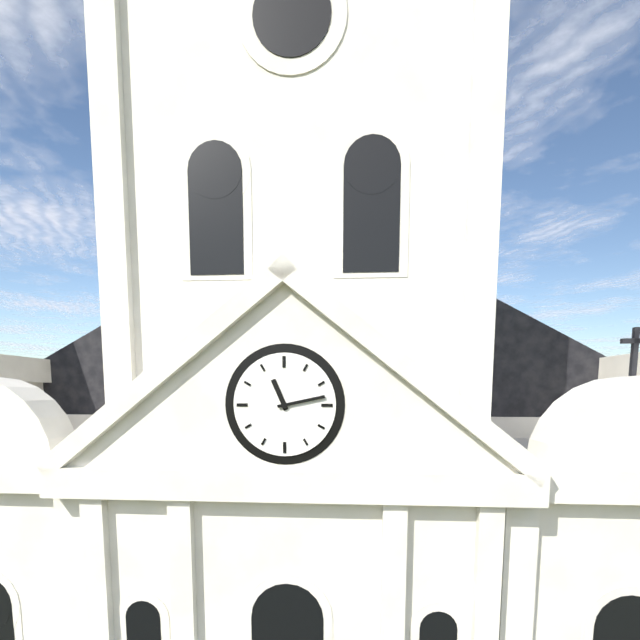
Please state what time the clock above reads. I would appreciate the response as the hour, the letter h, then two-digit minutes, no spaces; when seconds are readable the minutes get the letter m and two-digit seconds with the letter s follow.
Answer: 11h13
